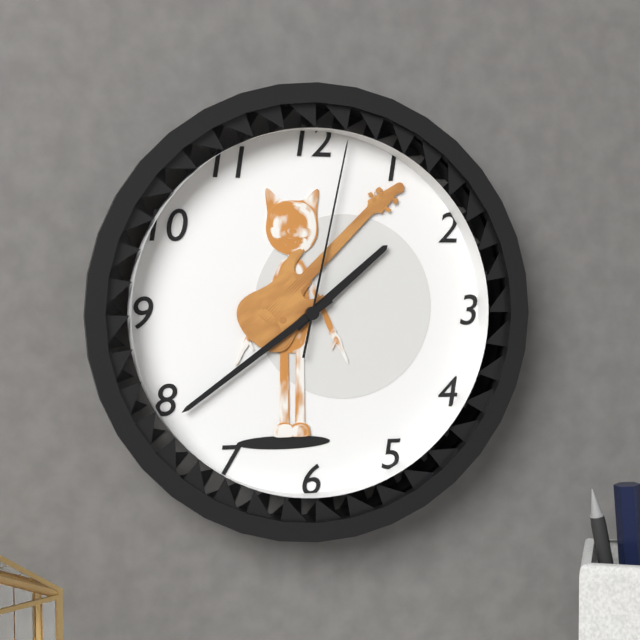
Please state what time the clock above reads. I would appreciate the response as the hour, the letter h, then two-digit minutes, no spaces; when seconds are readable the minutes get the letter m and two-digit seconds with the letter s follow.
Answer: 1h39m02s
